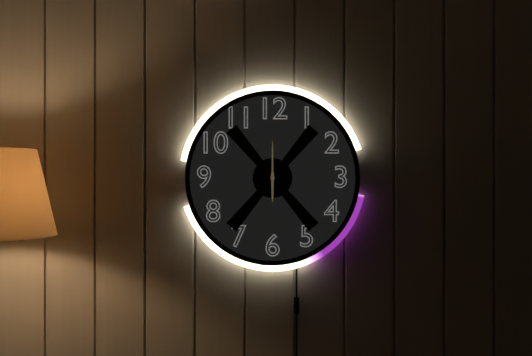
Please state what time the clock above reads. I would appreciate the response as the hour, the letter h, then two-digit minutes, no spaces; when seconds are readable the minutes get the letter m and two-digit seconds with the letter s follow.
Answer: 6h00
